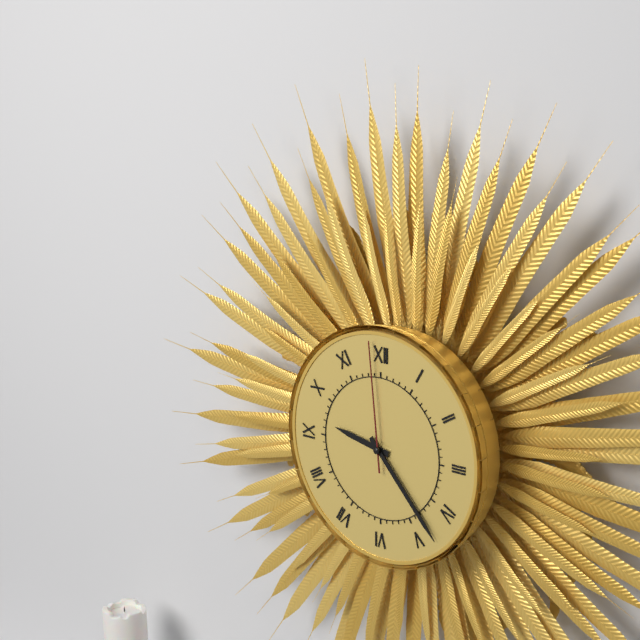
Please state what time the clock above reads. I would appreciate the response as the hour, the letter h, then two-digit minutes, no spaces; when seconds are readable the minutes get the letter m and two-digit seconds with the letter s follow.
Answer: 9h23m59s
